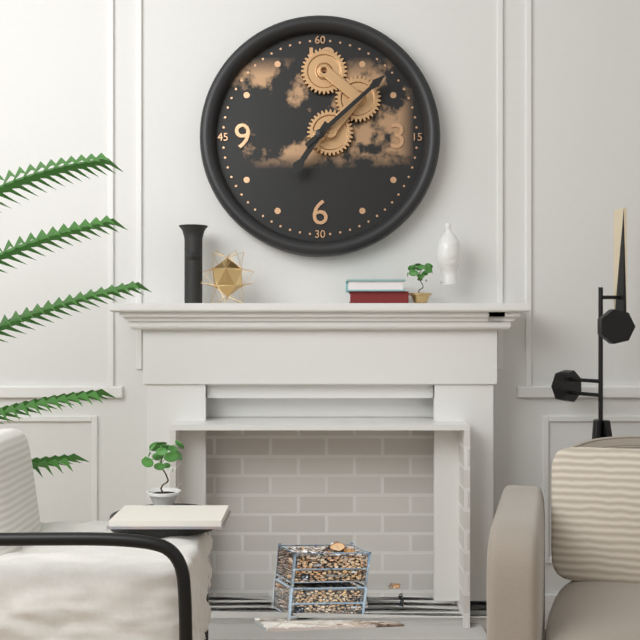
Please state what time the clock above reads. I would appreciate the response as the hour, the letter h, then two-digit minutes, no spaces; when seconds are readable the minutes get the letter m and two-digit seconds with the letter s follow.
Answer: 7h08
